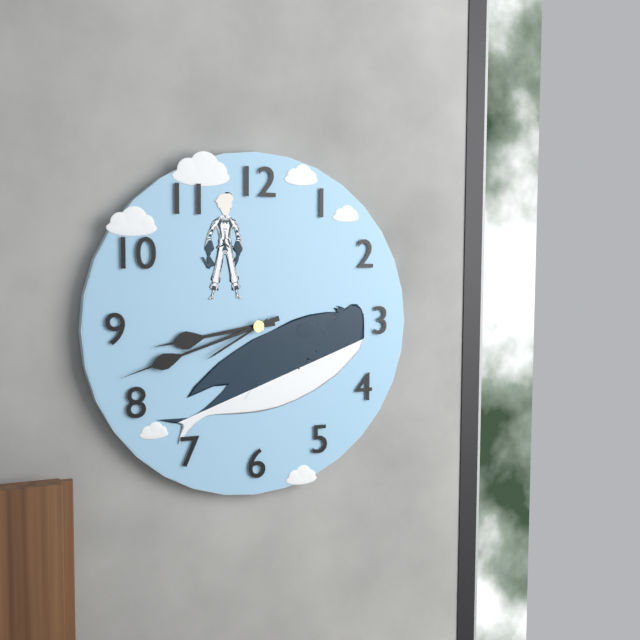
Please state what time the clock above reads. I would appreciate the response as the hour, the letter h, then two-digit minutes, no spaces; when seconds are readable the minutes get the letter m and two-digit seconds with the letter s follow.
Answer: 8h42m40s
